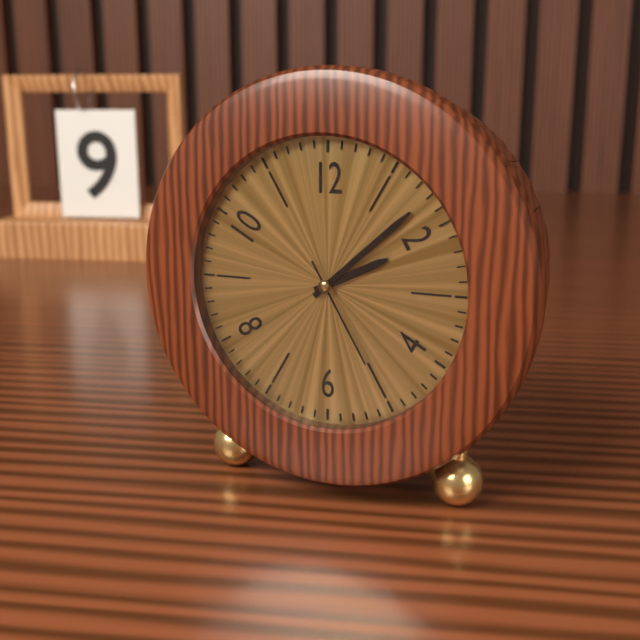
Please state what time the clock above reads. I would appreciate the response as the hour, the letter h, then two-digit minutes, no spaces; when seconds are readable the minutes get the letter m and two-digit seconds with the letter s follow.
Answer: 2h08m25s
